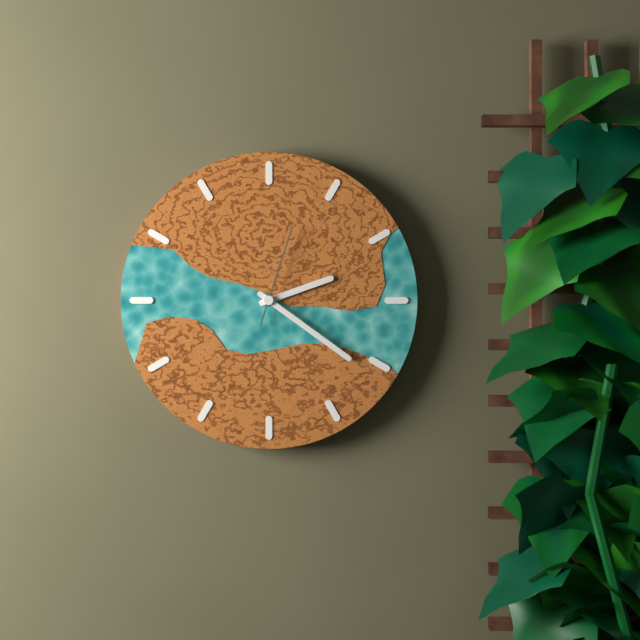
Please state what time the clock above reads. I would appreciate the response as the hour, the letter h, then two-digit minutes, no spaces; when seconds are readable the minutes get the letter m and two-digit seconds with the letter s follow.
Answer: 2h21m03s
